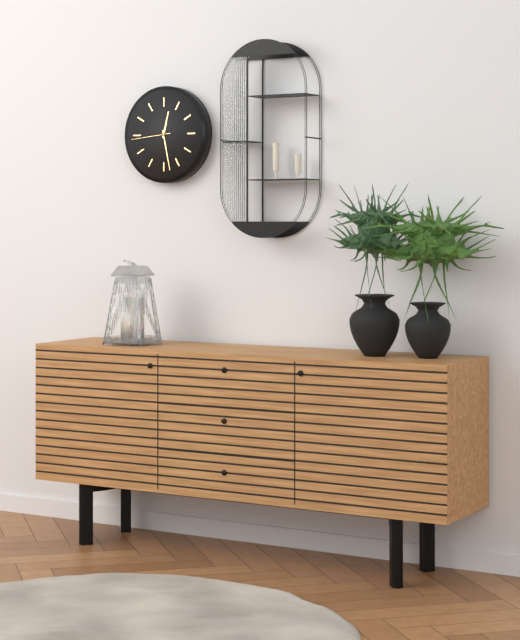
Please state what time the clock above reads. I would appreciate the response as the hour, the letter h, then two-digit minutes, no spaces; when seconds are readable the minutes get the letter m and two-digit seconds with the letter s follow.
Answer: 12h28
